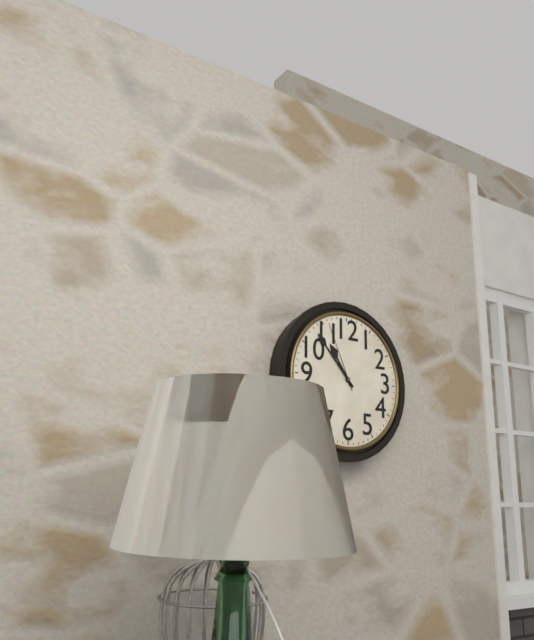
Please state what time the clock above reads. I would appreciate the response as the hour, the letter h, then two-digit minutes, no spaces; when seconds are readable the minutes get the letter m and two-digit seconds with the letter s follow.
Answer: 10h53m56s
